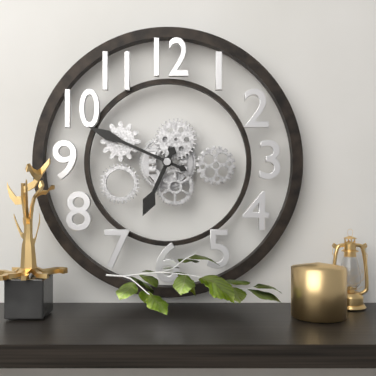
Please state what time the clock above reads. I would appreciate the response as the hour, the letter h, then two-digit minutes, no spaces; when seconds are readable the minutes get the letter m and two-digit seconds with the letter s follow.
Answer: 6h49
